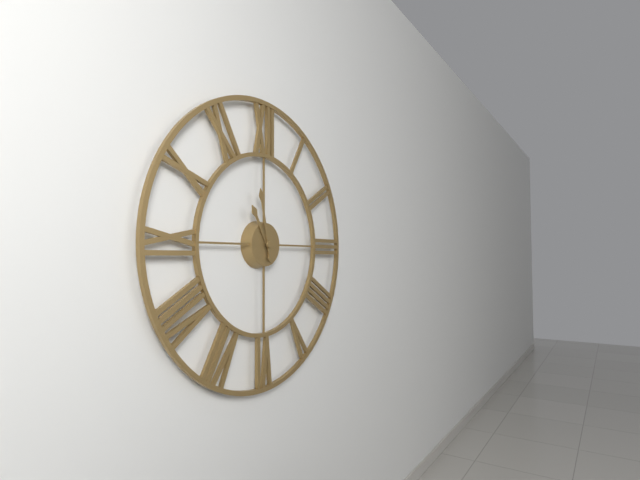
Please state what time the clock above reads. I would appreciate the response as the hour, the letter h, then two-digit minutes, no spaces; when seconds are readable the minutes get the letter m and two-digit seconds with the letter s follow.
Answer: 10h58
